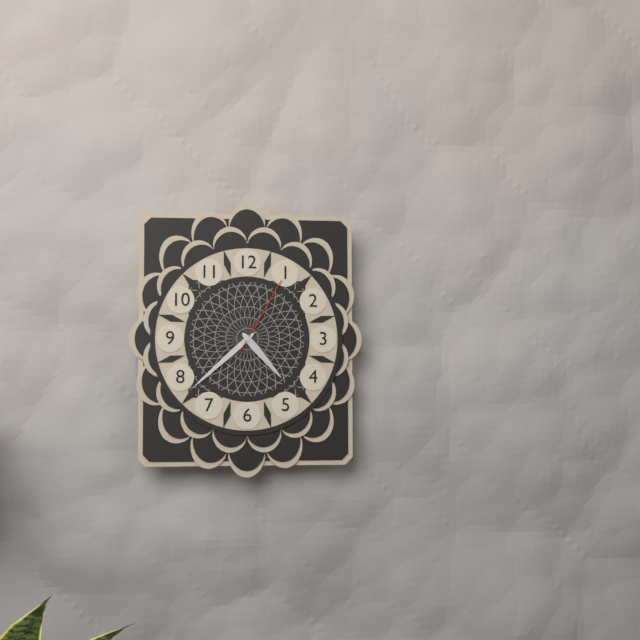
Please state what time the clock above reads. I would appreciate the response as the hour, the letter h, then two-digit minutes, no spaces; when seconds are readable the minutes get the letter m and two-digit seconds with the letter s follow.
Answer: 4h38m05s
